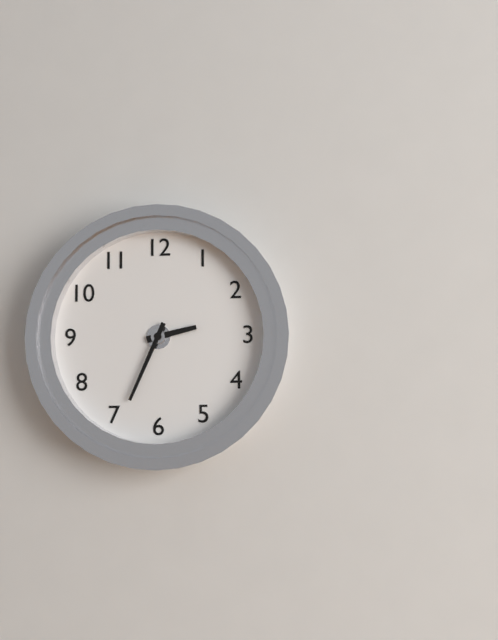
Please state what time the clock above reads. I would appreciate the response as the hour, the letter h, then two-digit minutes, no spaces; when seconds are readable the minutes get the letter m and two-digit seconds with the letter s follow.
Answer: 2h34
